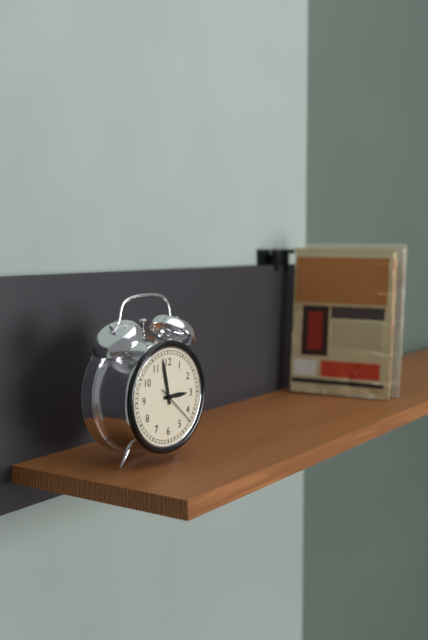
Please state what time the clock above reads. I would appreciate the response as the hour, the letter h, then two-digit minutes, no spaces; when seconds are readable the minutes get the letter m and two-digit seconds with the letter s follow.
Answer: 2h58
